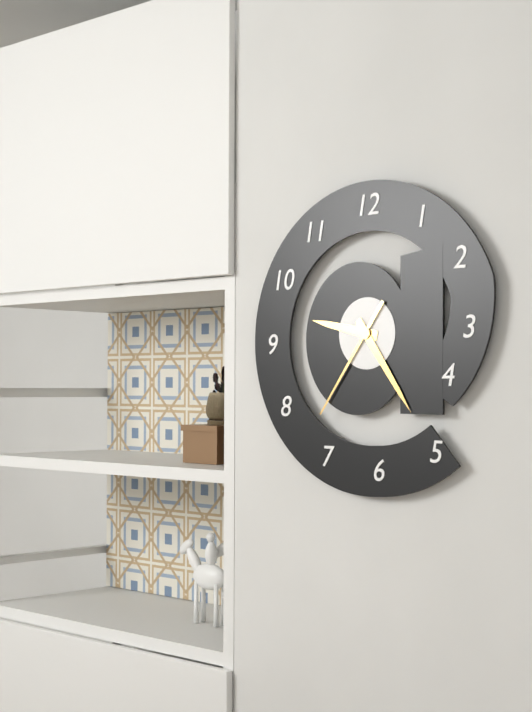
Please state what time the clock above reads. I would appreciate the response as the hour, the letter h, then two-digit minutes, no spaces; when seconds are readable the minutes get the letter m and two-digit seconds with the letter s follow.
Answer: 9h24m36s
